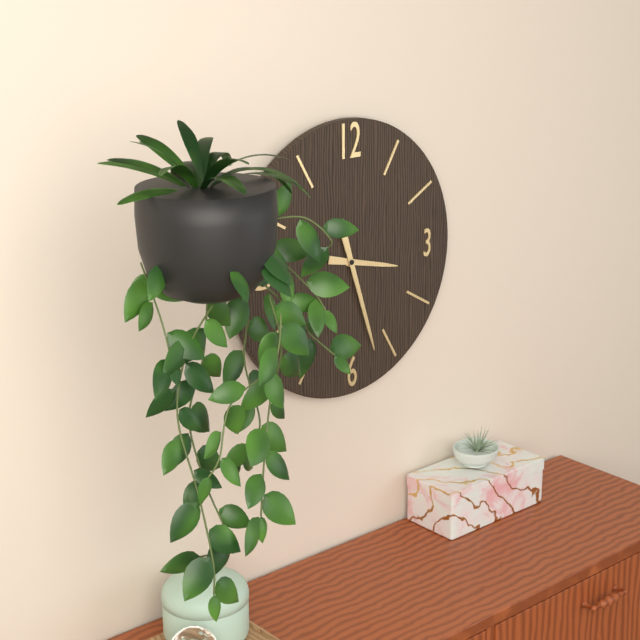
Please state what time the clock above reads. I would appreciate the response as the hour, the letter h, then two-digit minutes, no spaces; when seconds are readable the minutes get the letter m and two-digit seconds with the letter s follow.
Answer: 3h27
